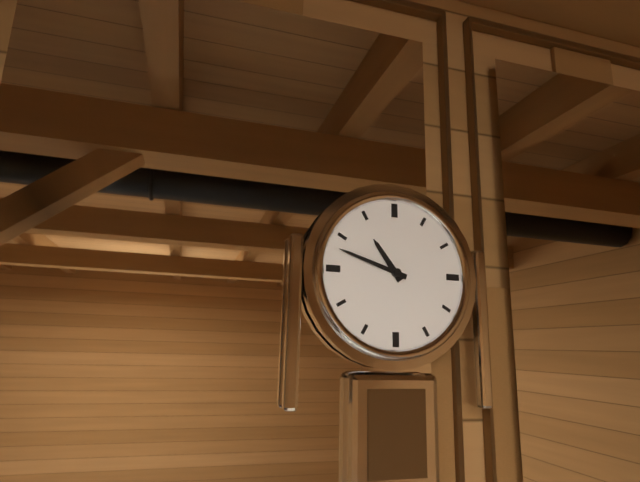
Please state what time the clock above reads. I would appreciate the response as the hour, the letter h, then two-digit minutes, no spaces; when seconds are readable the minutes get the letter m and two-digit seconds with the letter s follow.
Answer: 10h48
